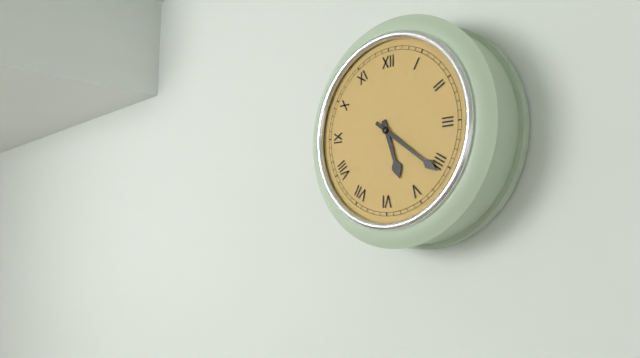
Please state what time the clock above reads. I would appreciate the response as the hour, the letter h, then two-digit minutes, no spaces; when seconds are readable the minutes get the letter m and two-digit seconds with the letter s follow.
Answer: 5h21
